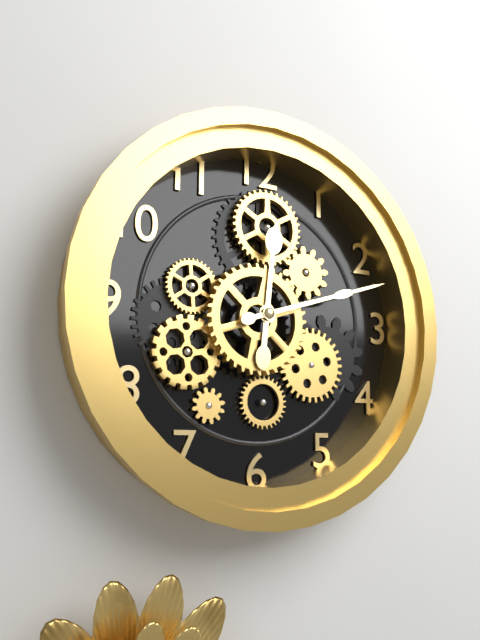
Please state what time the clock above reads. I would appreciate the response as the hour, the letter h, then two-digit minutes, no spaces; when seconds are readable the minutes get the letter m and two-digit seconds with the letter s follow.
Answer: 12h12
